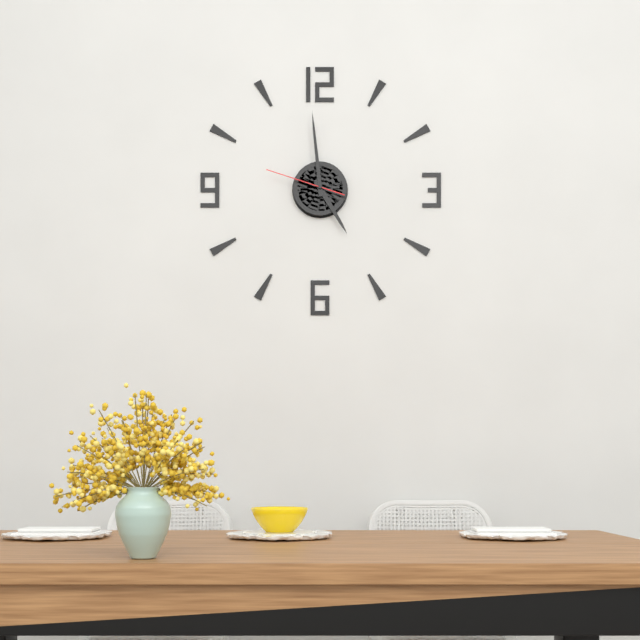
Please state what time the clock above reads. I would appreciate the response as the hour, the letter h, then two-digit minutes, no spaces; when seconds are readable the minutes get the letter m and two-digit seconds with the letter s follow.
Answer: 4h59m48s
